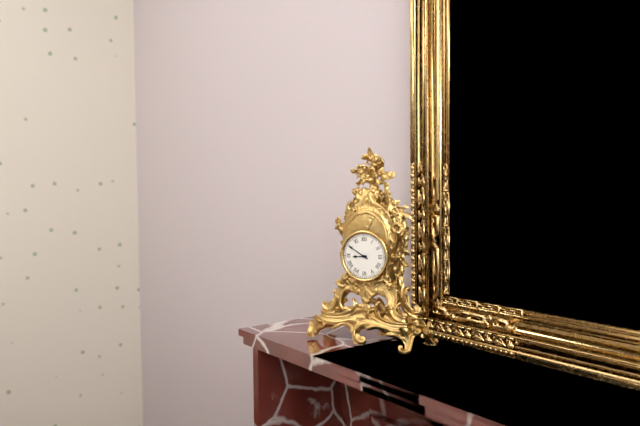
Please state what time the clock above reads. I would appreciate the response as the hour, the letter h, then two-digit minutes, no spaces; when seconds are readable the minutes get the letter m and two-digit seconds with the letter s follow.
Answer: 8h50
